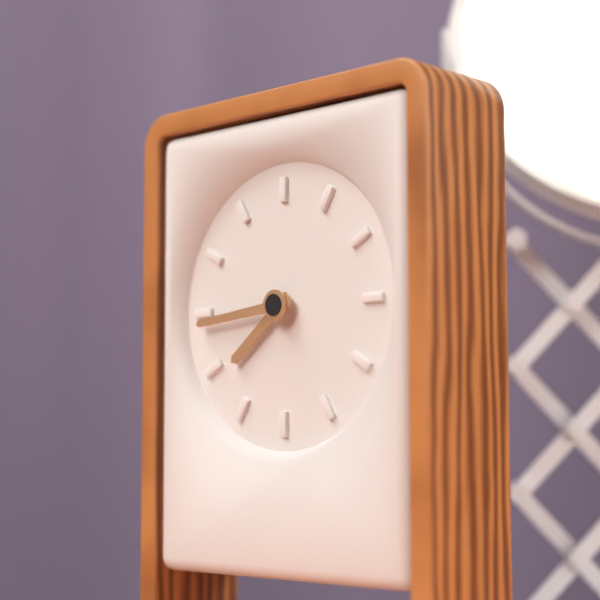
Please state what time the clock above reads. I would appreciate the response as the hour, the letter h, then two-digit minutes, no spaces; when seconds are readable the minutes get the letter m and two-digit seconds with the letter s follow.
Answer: 7h44
